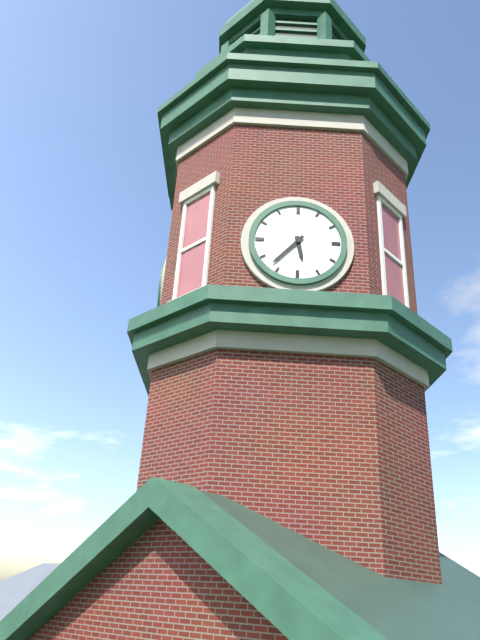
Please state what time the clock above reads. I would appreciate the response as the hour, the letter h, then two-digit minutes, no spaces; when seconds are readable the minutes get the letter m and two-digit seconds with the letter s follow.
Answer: 5h37
